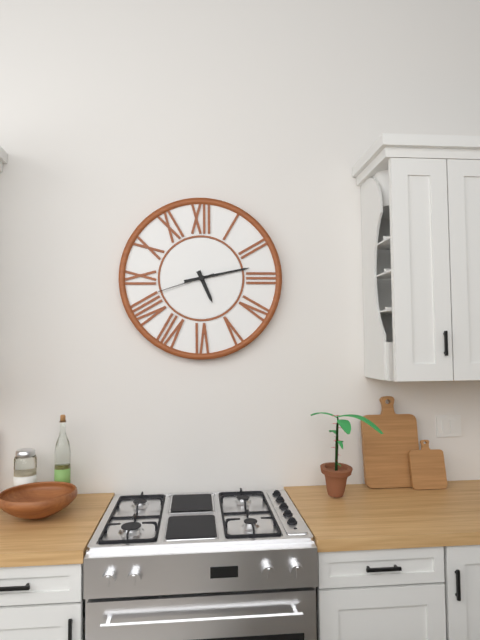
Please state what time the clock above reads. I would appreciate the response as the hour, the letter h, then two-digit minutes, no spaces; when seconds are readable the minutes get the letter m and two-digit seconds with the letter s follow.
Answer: 5h13m42s
